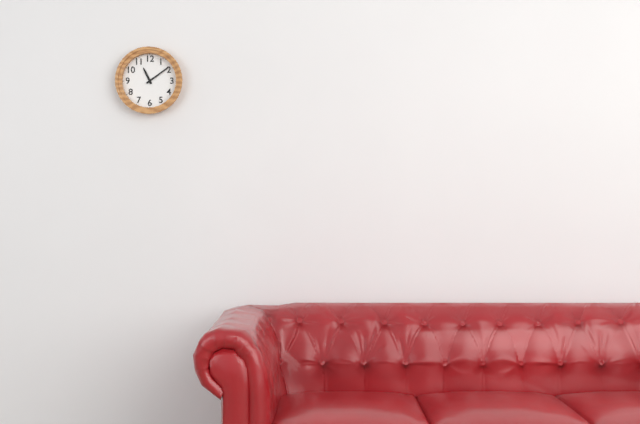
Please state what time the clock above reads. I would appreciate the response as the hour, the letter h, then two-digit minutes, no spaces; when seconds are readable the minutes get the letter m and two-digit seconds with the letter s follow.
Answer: 11h09
